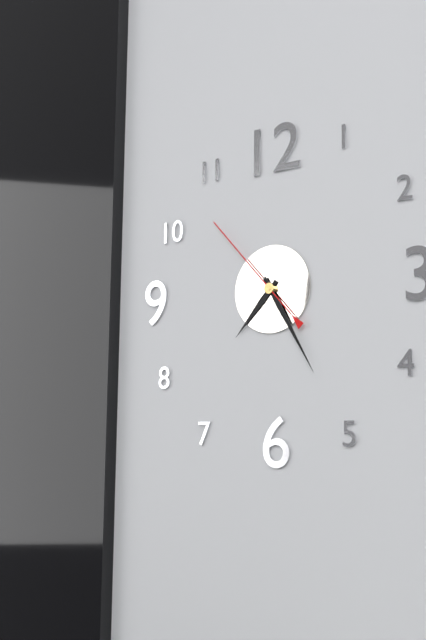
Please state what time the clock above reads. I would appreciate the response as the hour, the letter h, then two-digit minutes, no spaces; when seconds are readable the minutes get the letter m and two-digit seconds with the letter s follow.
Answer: 7h25m53s
